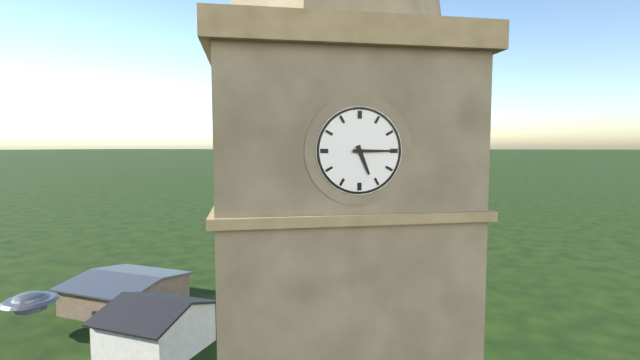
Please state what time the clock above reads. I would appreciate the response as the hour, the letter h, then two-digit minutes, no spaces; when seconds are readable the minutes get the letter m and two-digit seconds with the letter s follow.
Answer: 5h15
